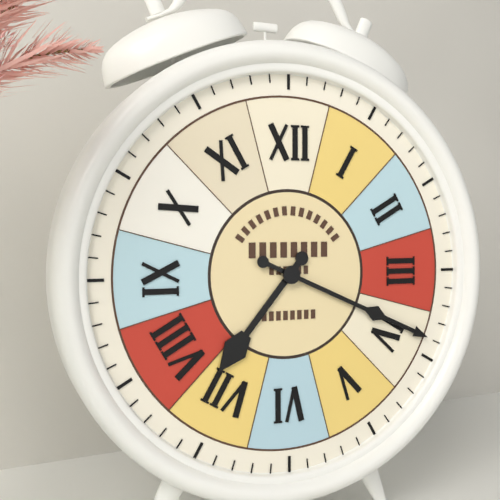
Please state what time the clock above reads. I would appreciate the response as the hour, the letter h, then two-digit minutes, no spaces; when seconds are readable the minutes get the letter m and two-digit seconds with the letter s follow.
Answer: 7h19
